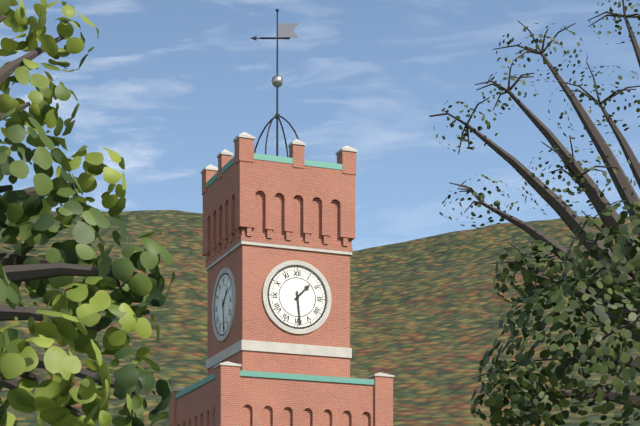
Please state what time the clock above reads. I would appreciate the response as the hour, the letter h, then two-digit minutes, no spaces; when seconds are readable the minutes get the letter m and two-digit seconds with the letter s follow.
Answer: 1h29
